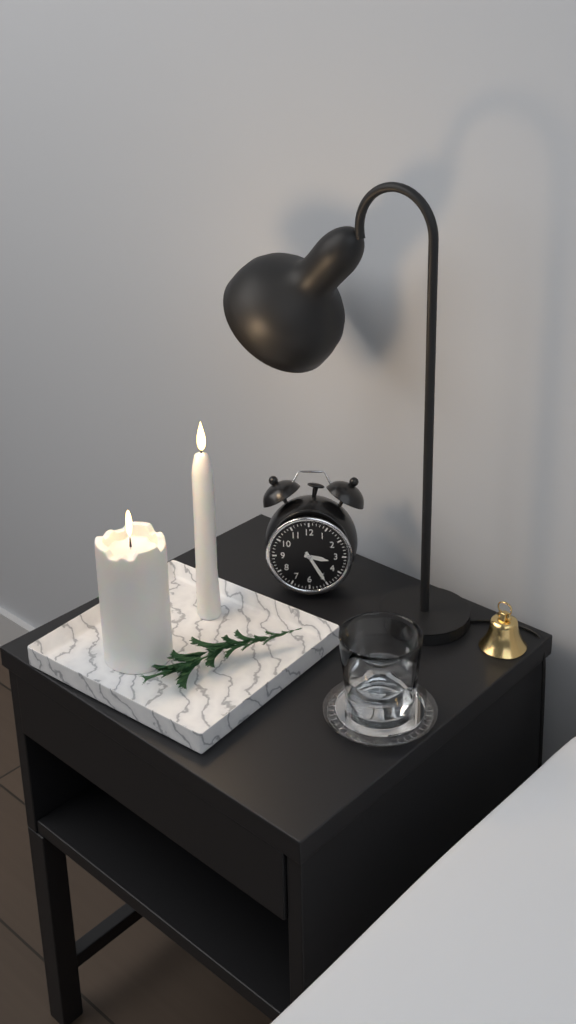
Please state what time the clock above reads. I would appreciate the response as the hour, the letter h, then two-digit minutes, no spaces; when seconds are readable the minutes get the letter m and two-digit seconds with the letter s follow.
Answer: 3h25
